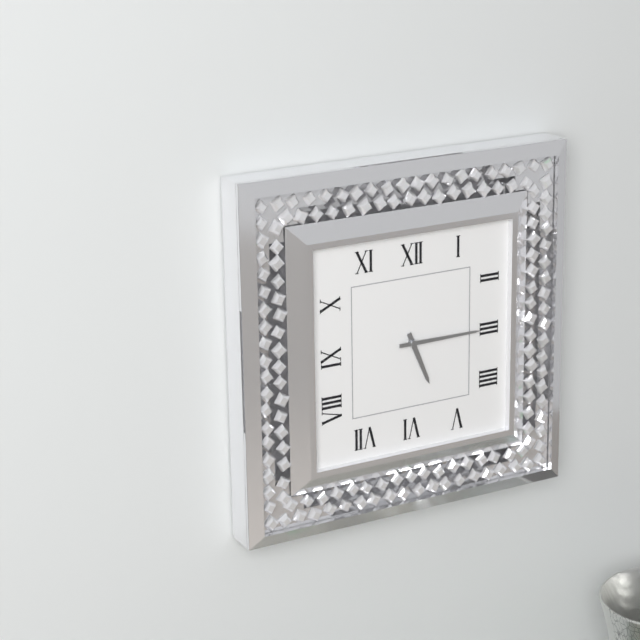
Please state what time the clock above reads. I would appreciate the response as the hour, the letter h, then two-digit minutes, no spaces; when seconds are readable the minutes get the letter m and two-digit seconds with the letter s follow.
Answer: 5h15
